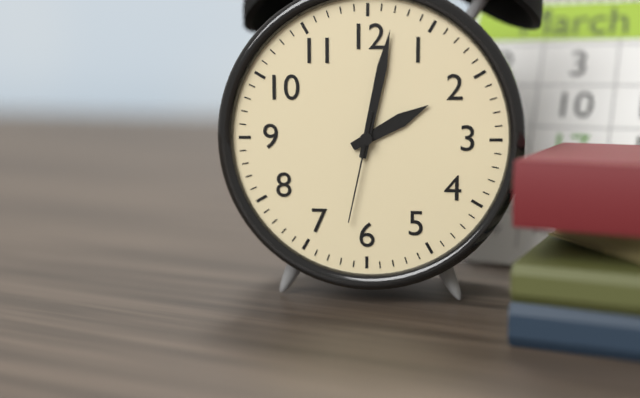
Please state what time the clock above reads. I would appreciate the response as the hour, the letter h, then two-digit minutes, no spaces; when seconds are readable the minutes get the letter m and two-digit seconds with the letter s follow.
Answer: 2h02m32s
